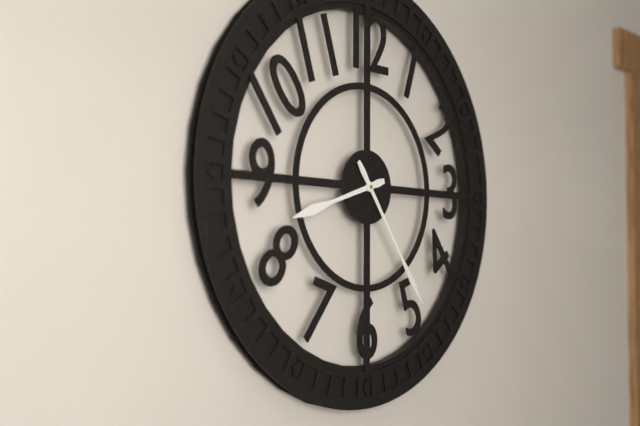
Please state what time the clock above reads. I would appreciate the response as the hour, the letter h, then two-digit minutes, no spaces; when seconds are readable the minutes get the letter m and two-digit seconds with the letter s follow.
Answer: 8h24
